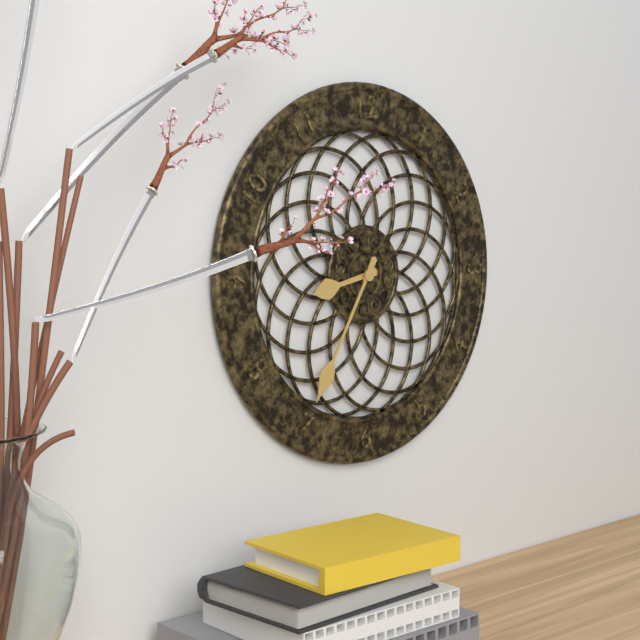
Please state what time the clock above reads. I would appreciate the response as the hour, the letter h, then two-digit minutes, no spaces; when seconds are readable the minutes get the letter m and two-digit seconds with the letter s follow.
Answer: 8h35
